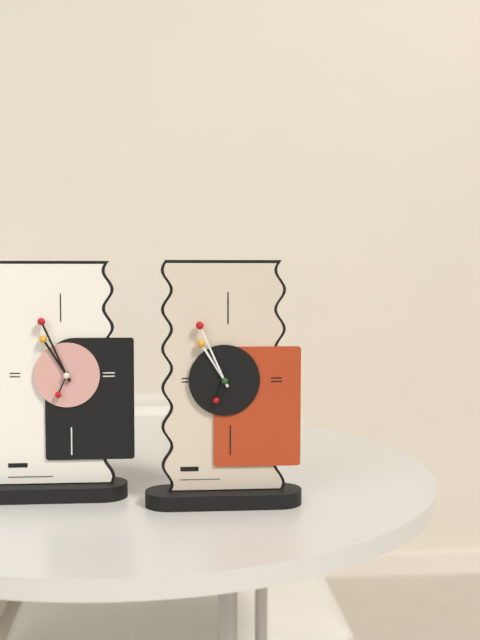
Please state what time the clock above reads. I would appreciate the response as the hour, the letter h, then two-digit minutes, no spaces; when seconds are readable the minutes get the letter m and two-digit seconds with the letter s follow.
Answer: 10h56
